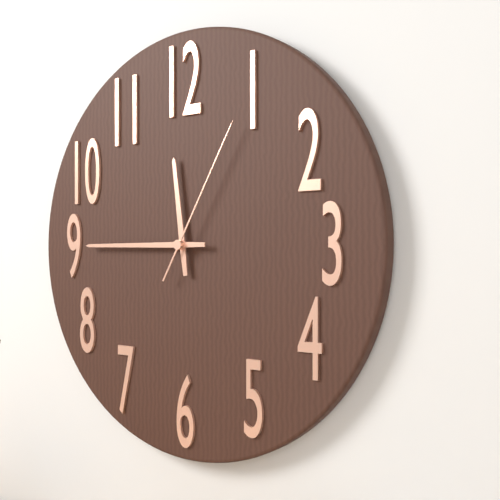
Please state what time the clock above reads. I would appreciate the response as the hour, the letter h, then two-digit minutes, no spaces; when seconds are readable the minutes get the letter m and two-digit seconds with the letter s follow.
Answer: 11h45m05s
